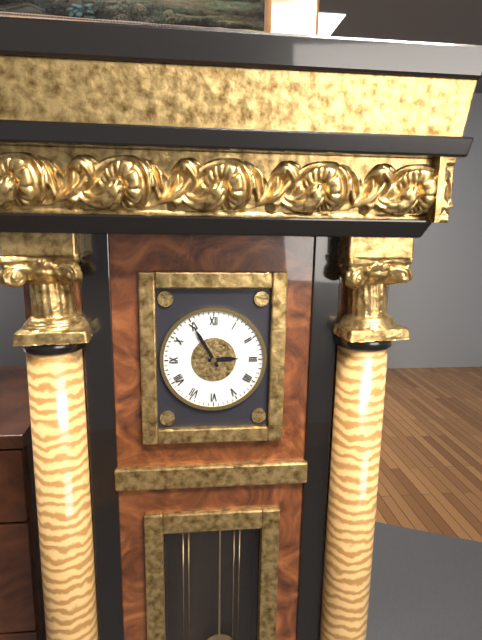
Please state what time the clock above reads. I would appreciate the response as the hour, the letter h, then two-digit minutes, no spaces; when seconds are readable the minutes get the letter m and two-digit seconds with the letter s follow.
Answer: 2h55
